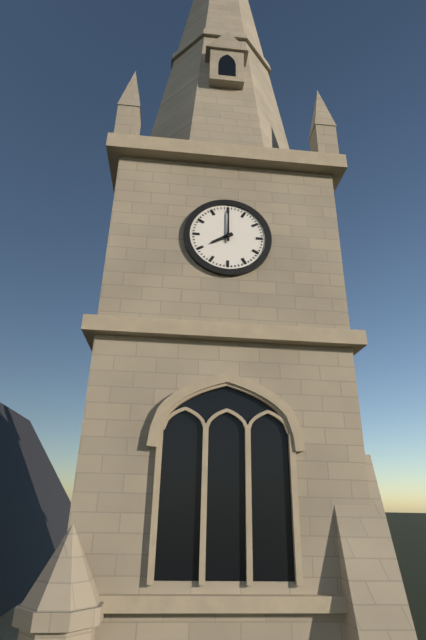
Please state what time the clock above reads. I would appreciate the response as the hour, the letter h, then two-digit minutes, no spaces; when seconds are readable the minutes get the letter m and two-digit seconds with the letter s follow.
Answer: 8h00
